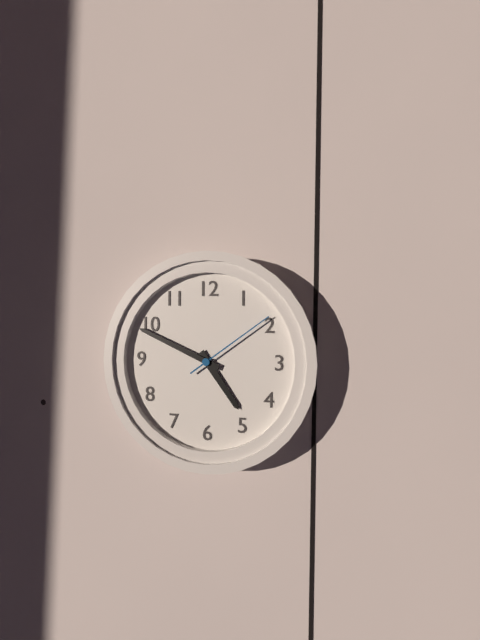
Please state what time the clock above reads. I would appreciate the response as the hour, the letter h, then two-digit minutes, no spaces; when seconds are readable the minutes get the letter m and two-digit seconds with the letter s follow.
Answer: 4h49m09s
